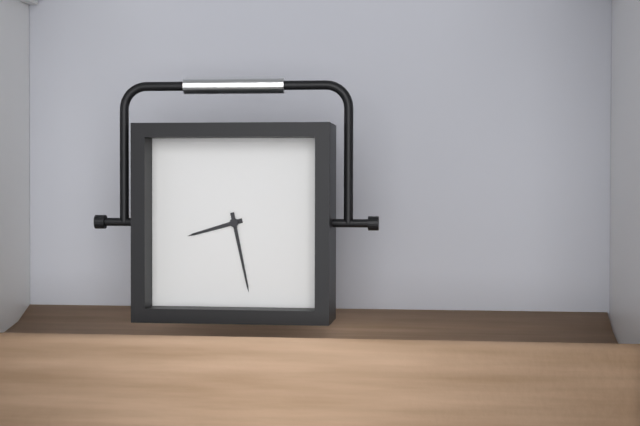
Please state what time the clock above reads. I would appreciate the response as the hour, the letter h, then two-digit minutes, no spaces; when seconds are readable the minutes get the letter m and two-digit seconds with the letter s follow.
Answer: 8h28
